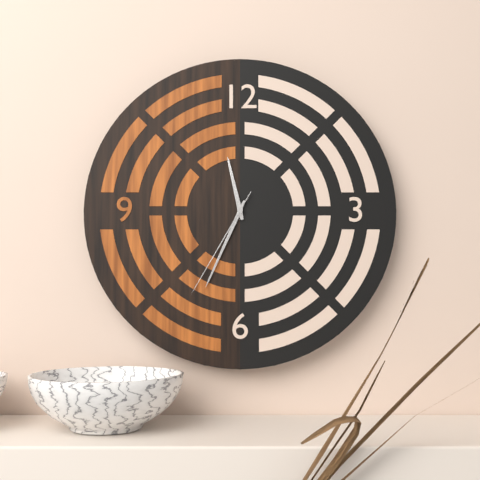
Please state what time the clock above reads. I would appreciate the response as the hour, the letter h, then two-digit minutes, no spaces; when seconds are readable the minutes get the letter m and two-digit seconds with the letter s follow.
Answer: 11h34m35s
